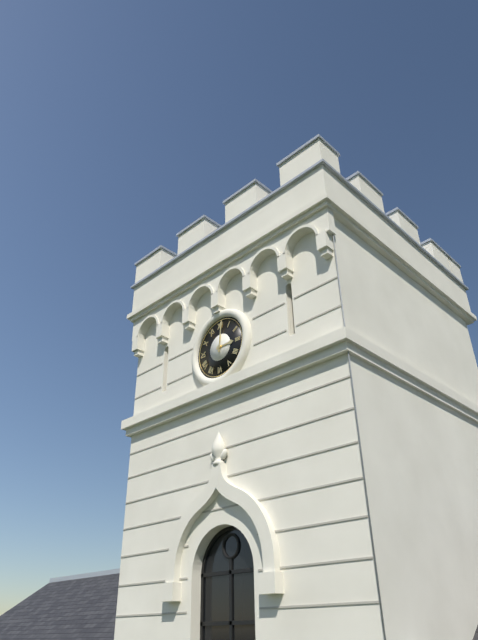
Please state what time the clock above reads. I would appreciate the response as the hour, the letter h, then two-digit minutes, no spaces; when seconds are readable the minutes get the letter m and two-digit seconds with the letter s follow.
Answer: 3h01
